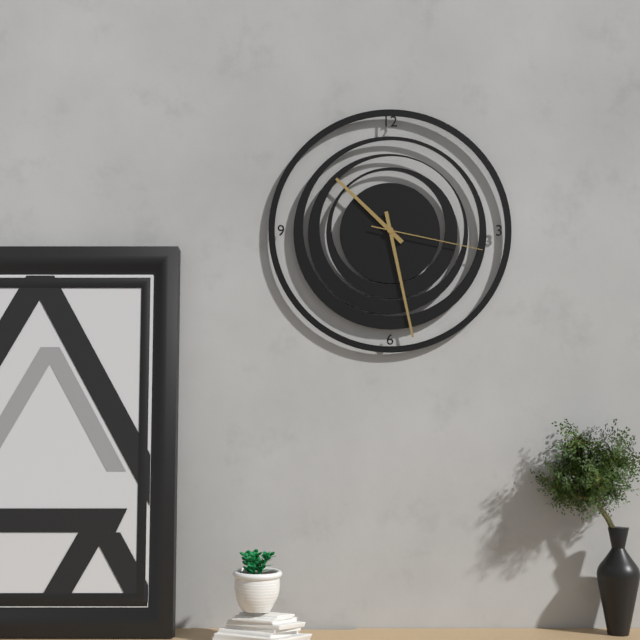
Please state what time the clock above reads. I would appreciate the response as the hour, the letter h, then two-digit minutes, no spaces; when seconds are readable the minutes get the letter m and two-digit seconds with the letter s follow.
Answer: 10h28m17s
